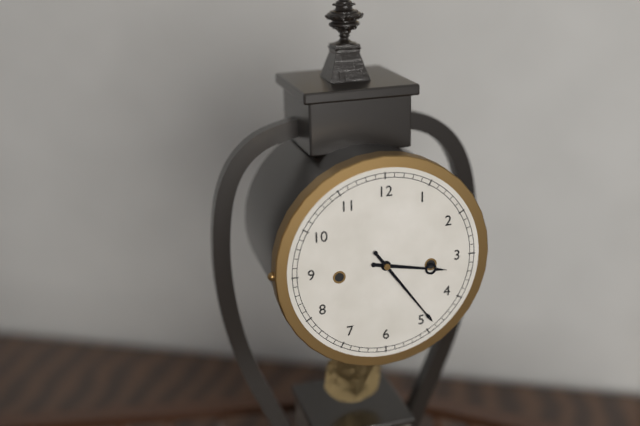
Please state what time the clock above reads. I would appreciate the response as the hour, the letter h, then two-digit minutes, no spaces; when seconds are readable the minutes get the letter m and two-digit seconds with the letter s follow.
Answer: 3h24
